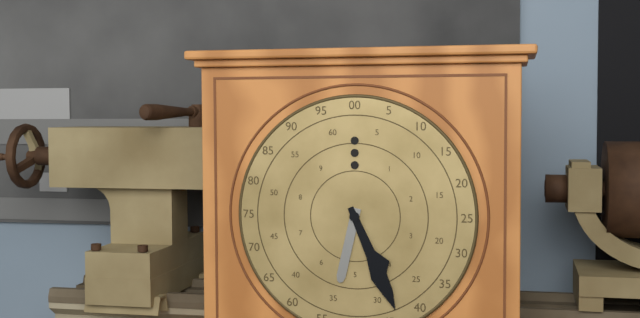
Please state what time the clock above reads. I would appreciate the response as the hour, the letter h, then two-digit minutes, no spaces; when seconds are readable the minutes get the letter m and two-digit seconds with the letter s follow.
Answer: 6h26
